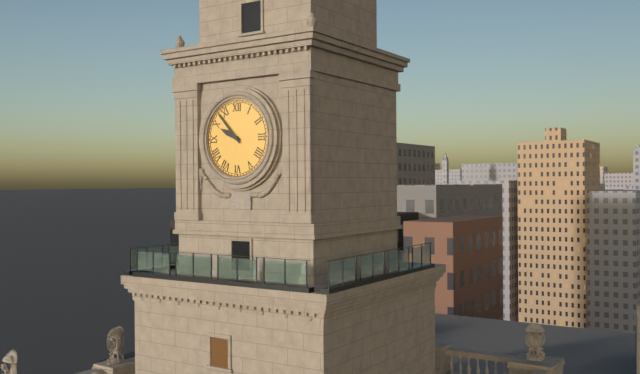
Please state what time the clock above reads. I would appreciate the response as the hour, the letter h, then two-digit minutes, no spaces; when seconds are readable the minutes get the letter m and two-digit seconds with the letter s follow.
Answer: 9h53
